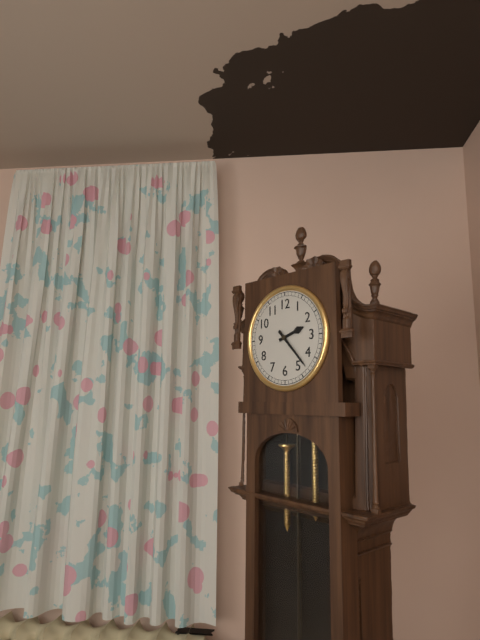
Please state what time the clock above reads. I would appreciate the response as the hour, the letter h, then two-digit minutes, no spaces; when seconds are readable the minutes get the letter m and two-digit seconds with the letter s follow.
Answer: 2h23
